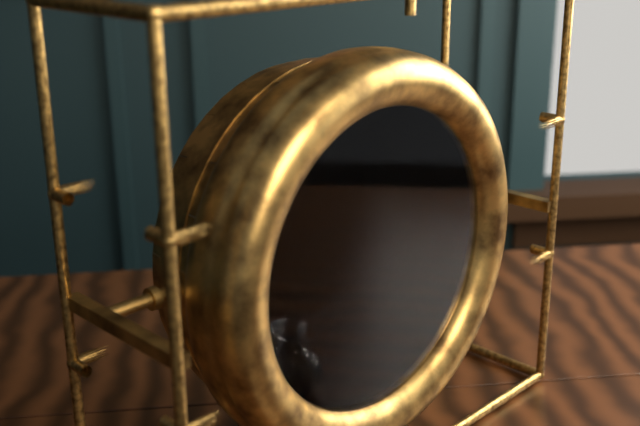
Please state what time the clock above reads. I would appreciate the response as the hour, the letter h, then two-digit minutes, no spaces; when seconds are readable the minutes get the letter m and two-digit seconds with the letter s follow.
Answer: 6h08
